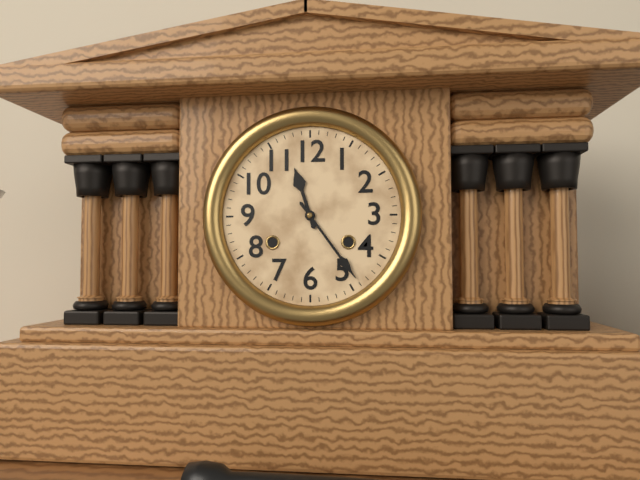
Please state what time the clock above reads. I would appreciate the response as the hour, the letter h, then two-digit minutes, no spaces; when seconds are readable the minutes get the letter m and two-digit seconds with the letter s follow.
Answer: 11h24
